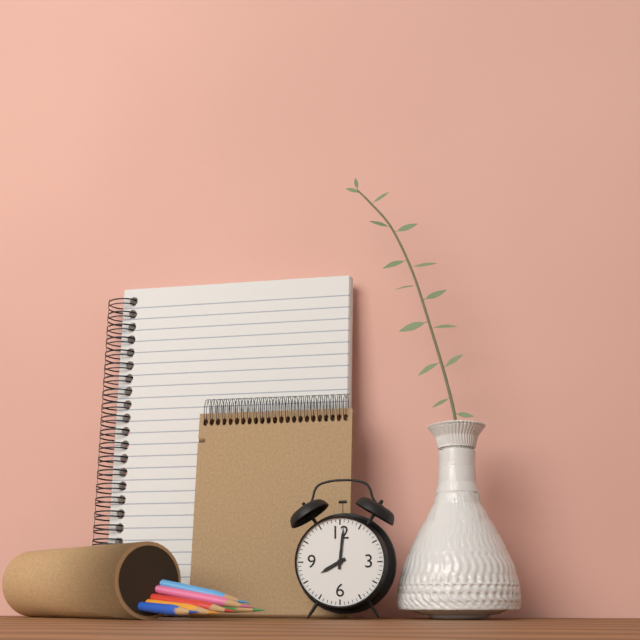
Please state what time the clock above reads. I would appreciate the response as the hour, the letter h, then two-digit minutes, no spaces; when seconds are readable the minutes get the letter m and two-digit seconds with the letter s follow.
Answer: 8h01
